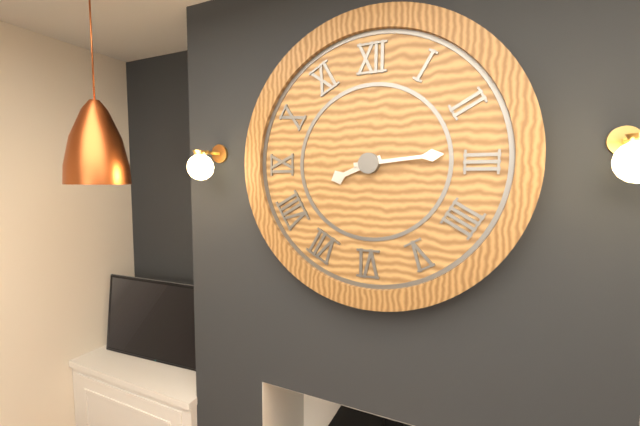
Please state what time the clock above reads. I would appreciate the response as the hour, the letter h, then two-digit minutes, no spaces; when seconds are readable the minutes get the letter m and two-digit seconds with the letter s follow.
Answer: 8h14
